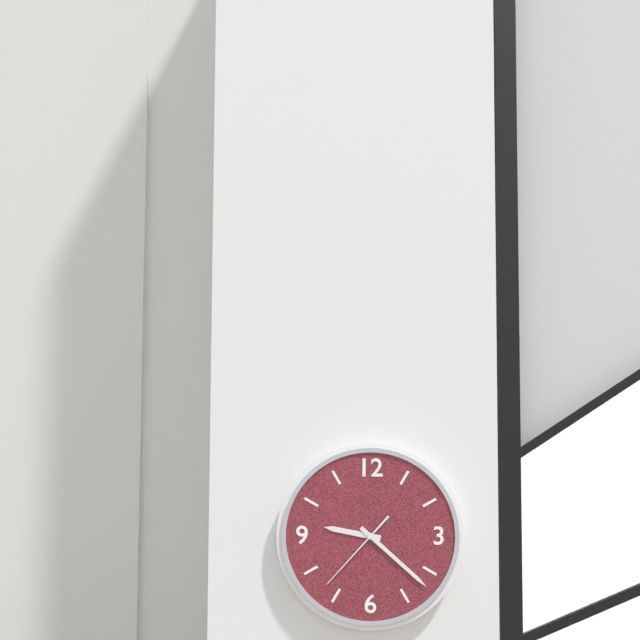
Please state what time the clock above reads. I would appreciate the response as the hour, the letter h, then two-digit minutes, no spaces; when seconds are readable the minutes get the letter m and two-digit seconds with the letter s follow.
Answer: 9h22m37s
